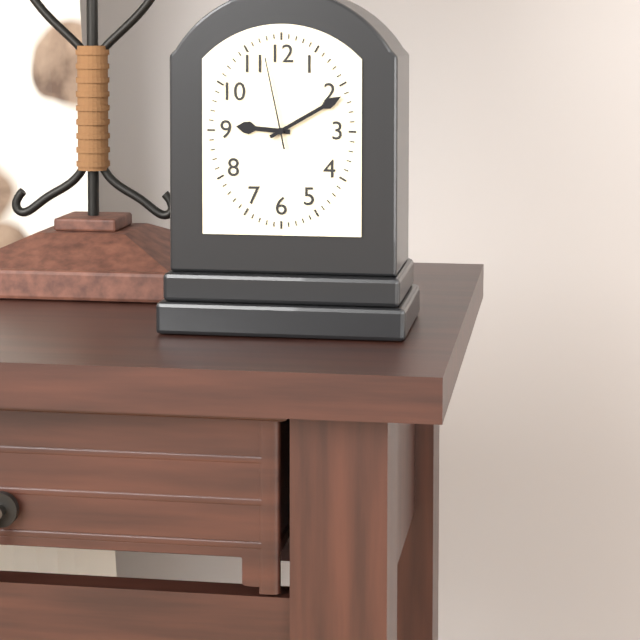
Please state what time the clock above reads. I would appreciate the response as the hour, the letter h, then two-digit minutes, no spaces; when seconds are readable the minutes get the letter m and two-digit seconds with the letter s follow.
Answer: 9h10m58s
